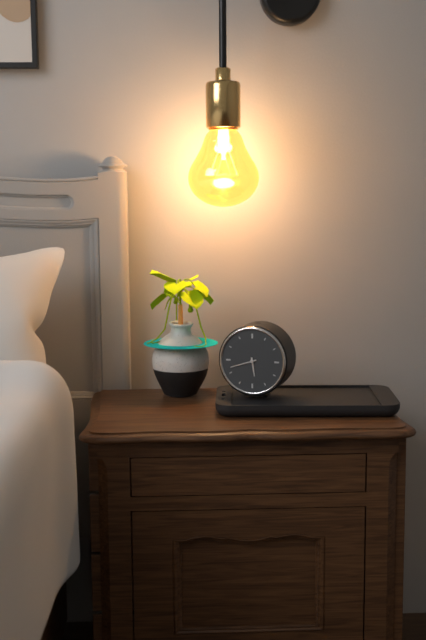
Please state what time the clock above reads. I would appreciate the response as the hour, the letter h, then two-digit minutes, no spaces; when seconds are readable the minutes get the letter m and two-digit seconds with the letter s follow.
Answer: 5h42
